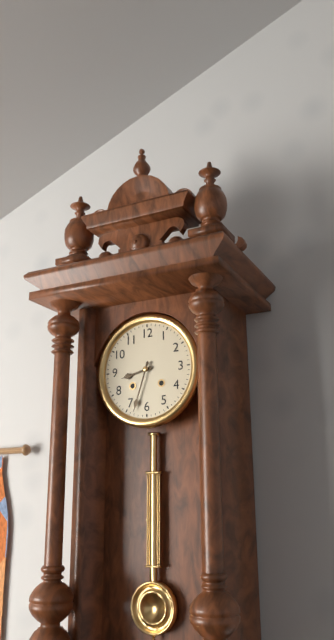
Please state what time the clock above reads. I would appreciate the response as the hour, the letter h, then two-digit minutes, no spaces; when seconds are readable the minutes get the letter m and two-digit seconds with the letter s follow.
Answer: 8h33
